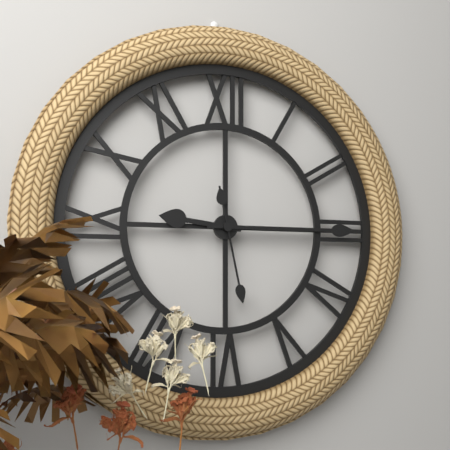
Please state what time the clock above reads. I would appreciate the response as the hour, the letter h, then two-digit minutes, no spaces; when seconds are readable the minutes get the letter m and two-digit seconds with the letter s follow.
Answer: 9h15m28s
